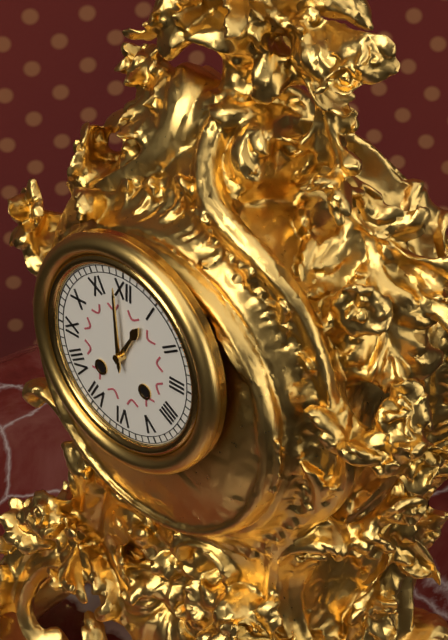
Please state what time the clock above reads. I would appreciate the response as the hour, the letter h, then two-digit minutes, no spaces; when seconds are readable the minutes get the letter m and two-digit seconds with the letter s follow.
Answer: 12h59
